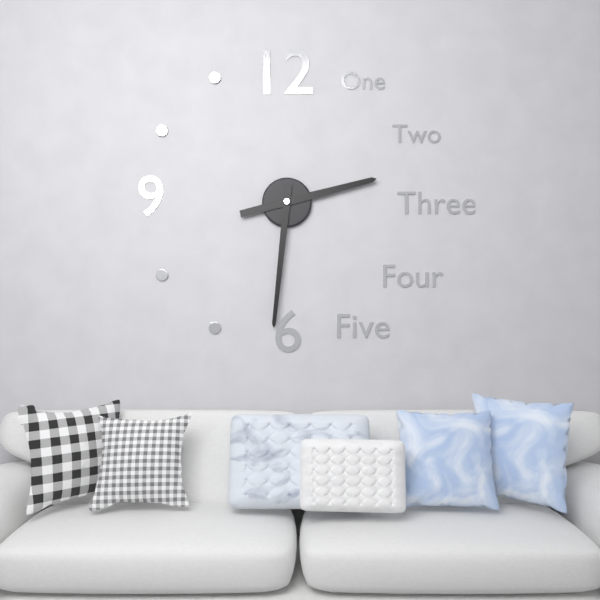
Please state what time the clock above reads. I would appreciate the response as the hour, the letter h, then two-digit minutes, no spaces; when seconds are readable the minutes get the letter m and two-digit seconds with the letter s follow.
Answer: 2h31
